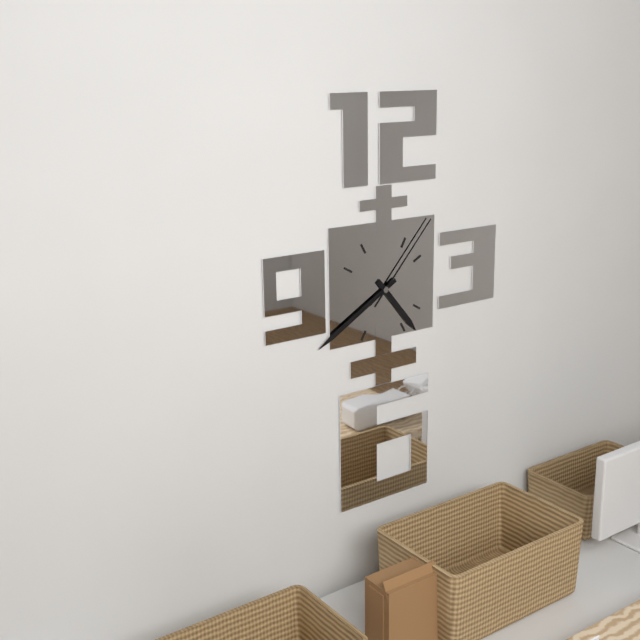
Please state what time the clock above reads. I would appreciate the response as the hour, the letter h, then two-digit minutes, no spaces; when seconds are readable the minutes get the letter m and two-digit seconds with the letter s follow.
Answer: 4h40m07s
